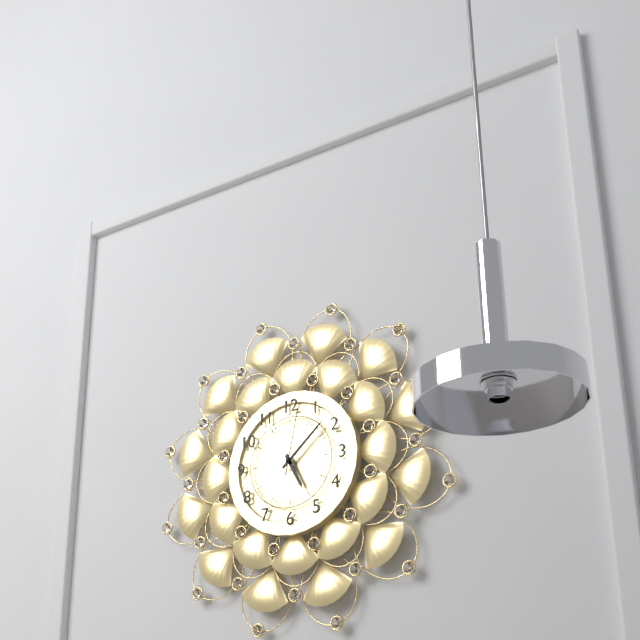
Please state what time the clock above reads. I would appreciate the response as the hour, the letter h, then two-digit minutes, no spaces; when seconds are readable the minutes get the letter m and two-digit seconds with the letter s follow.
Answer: 5h08m02s
